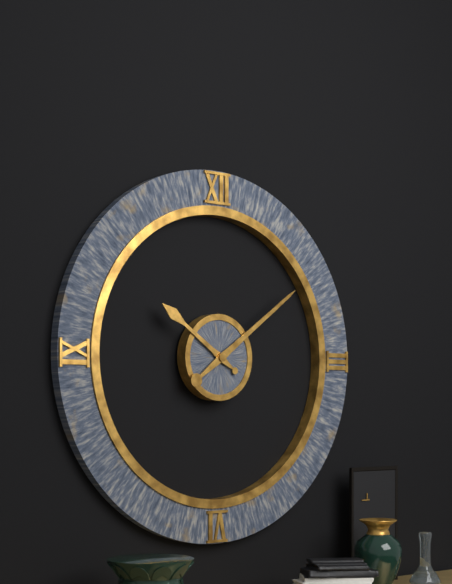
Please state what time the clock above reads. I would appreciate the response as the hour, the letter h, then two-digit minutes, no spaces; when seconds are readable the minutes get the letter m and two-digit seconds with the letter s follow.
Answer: 10h09
